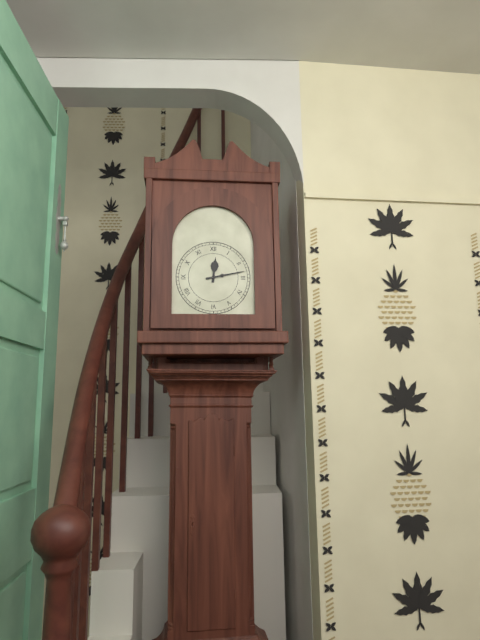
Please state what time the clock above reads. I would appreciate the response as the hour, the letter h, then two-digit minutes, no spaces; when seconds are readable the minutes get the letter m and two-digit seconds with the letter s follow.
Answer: 12h13
